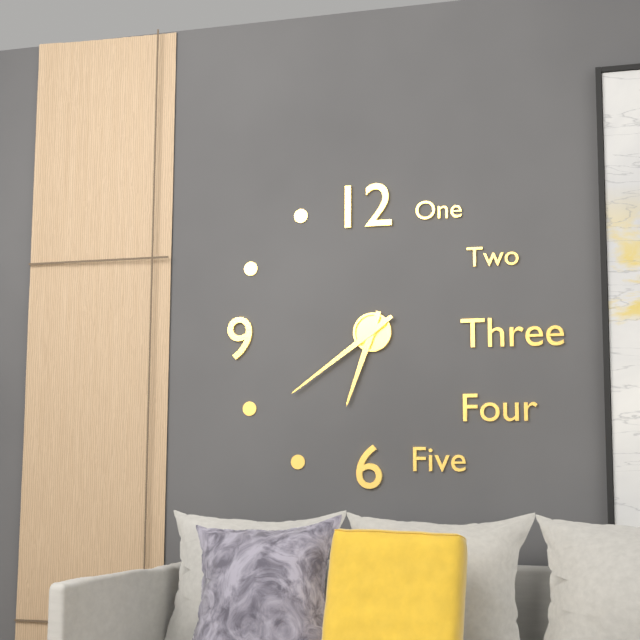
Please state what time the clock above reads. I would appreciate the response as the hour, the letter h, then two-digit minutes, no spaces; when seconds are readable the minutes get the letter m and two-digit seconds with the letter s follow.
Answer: 6h39
